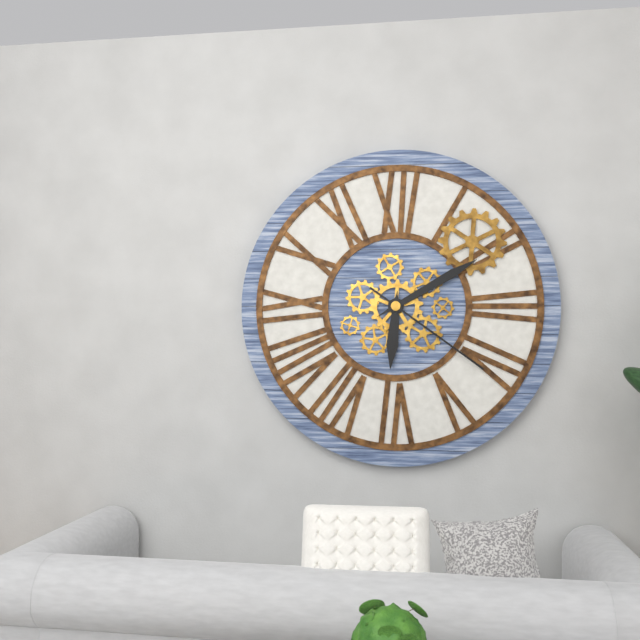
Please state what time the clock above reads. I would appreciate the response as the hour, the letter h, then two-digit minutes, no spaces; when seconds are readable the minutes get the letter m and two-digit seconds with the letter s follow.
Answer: 6h10m21s
